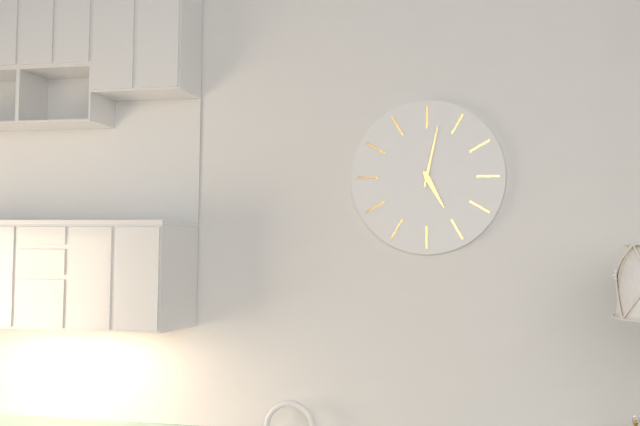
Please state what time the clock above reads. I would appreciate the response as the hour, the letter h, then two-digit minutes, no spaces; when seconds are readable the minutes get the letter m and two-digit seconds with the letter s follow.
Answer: 5h02
